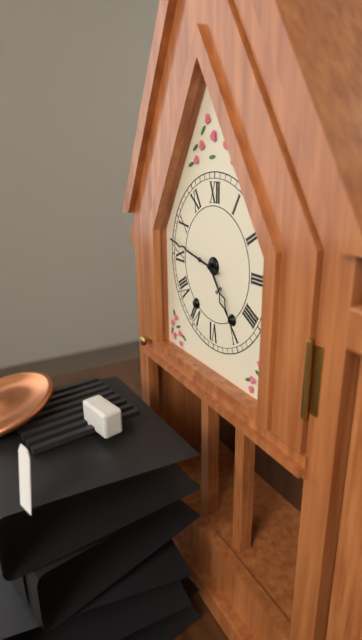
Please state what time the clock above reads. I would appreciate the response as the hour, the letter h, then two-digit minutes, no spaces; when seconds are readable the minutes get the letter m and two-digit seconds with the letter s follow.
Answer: 4h47
